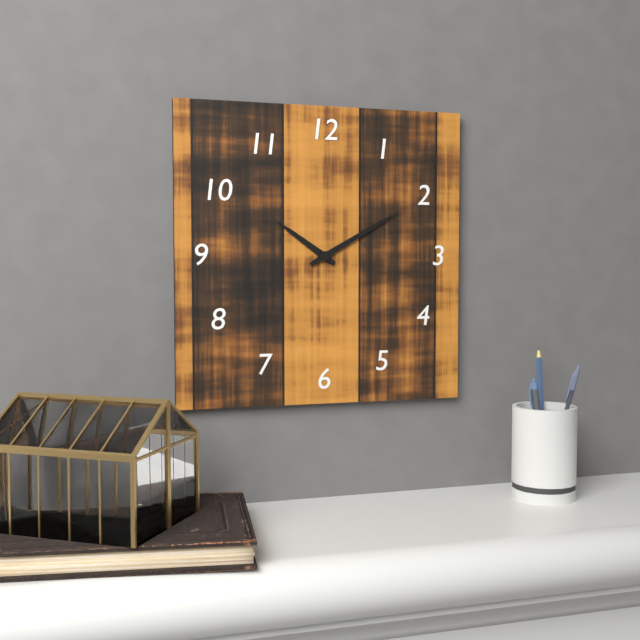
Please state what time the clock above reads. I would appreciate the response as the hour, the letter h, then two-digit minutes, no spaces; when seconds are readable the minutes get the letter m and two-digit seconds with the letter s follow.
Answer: 10h10
